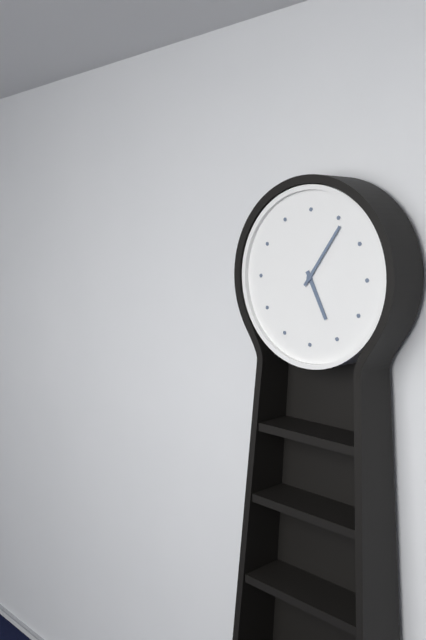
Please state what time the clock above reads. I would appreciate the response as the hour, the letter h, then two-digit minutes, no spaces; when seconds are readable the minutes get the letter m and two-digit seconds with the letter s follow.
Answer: 5h06
